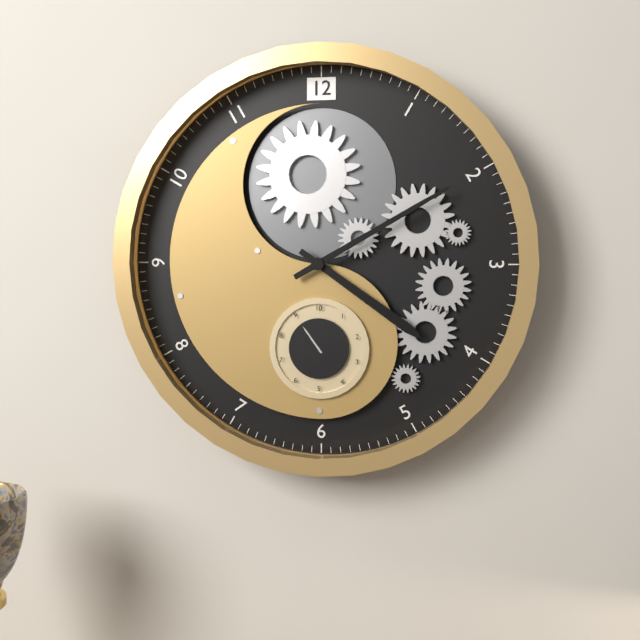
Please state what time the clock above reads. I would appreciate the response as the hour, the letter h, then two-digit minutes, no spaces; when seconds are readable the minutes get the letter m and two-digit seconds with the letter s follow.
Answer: 4h10
